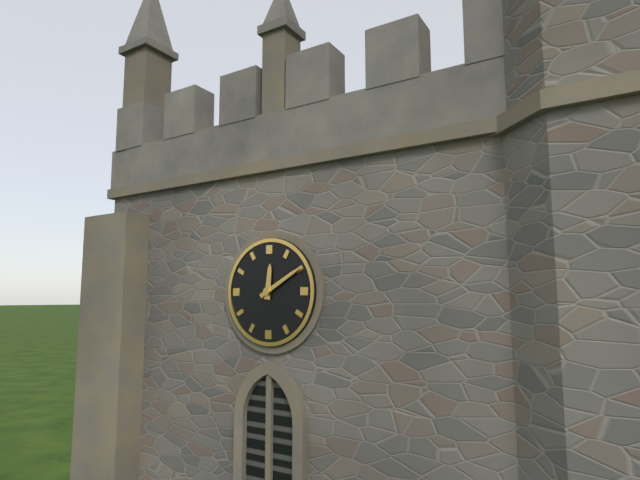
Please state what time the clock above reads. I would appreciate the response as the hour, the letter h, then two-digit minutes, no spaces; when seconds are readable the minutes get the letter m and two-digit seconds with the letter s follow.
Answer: 12h10
